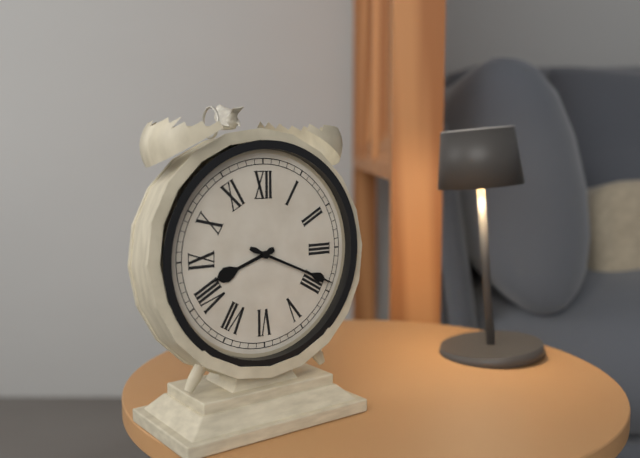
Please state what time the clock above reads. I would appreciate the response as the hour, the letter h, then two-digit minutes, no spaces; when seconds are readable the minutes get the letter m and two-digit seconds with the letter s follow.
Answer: 8h19
